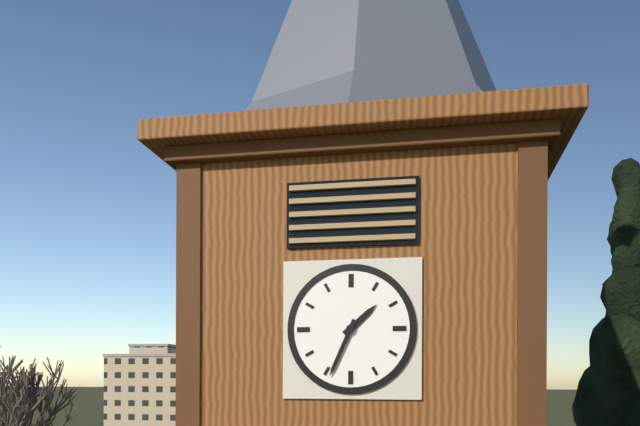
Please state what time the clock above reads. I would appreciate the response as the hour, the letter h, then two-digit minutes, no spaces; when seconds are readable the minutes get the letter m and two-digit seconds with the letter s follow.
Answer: 1h34
